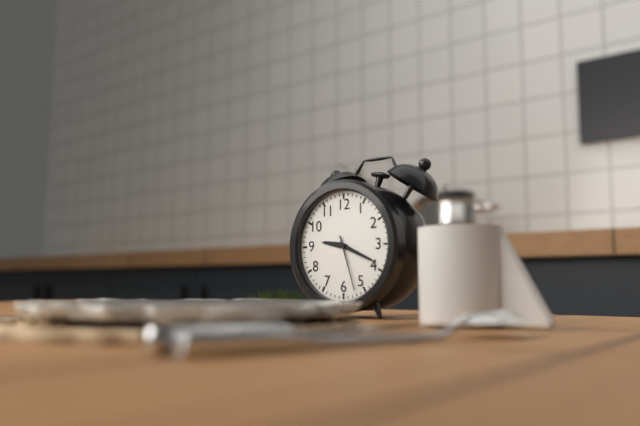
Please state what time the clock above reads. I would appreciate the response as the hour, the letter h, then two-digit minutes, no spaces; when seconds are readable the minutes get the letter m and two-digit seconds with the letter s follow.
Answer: 9h19m27s
